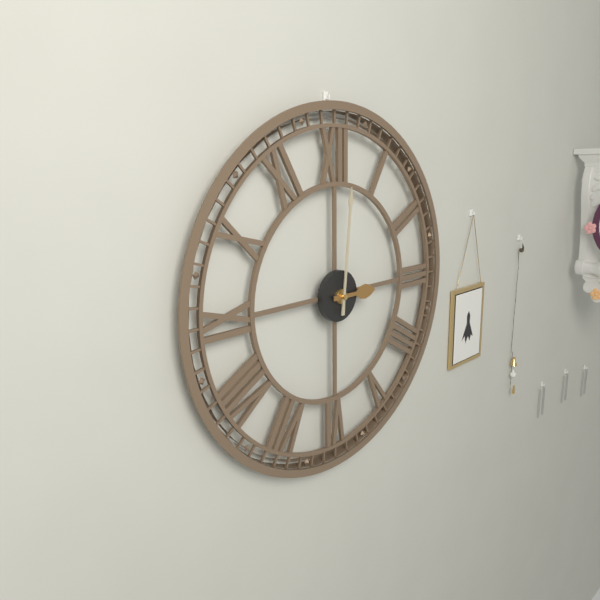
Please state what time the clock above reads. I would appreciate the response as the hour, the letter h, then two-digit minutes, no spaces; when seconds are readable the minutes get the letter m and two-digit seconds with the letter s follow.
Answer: 3h01
